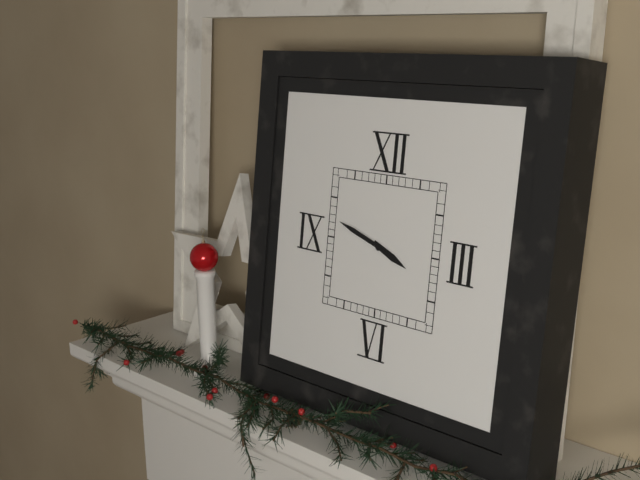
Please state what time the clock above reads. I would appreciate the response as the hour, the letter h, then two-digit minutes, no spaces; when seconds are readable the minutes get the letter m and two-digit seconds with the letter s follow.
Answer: 3h48
